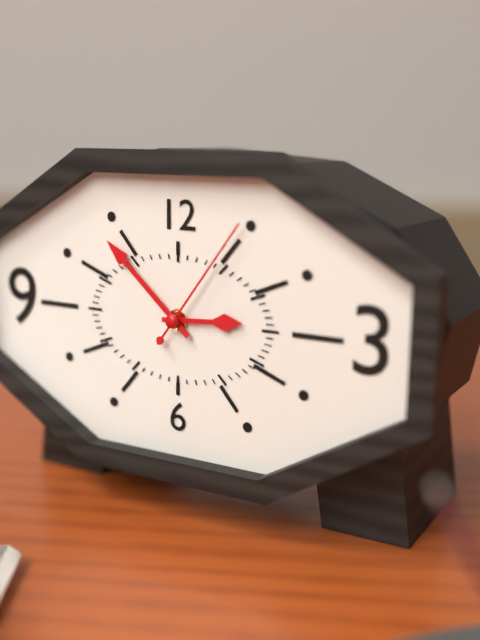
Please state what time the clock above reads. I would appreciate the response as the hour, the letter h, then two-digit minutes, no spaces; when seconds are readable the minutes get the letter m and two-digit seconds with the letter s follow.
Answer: 2h52m06s
